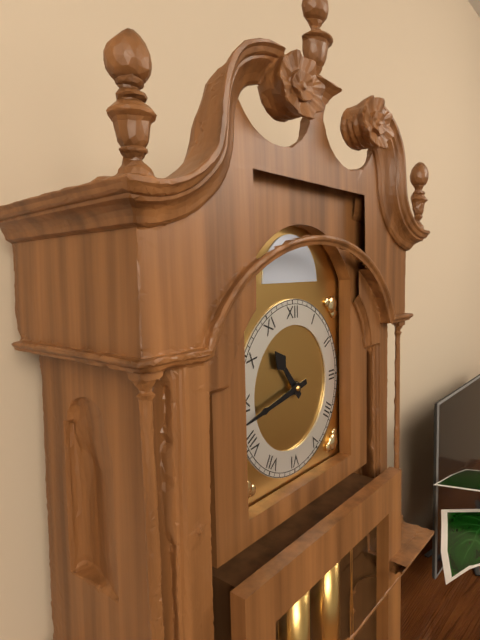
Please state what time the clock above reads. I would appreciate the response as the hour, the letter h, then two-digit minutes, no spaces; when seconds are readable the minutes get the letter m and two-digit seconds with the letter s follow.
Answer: 10h43
